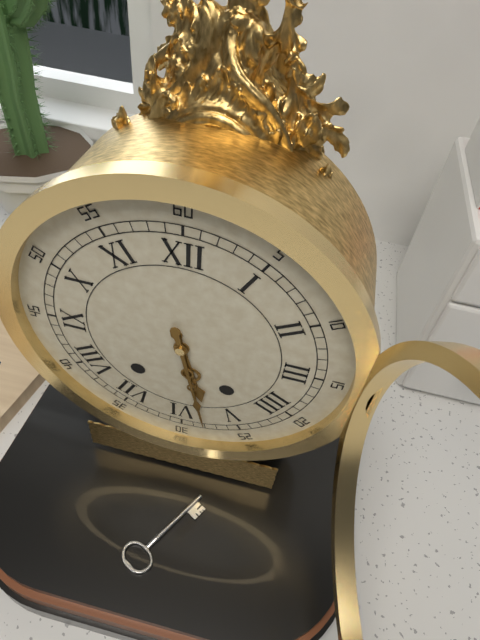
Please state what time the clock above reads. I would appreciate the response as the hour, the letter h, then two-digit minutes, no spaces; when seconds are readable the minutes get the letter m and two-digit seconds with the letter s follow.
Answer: 5h28
